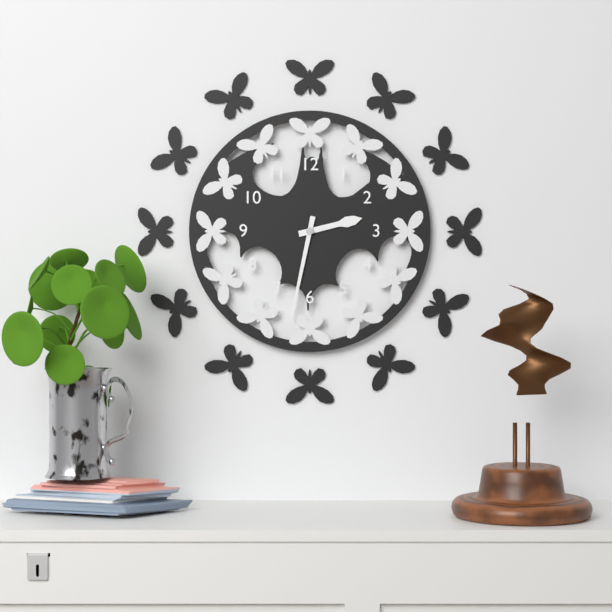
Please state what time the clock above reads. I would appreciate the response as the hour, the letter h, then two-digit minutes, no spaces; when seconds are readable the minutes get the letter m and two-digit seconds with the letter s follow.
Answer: 2h32
